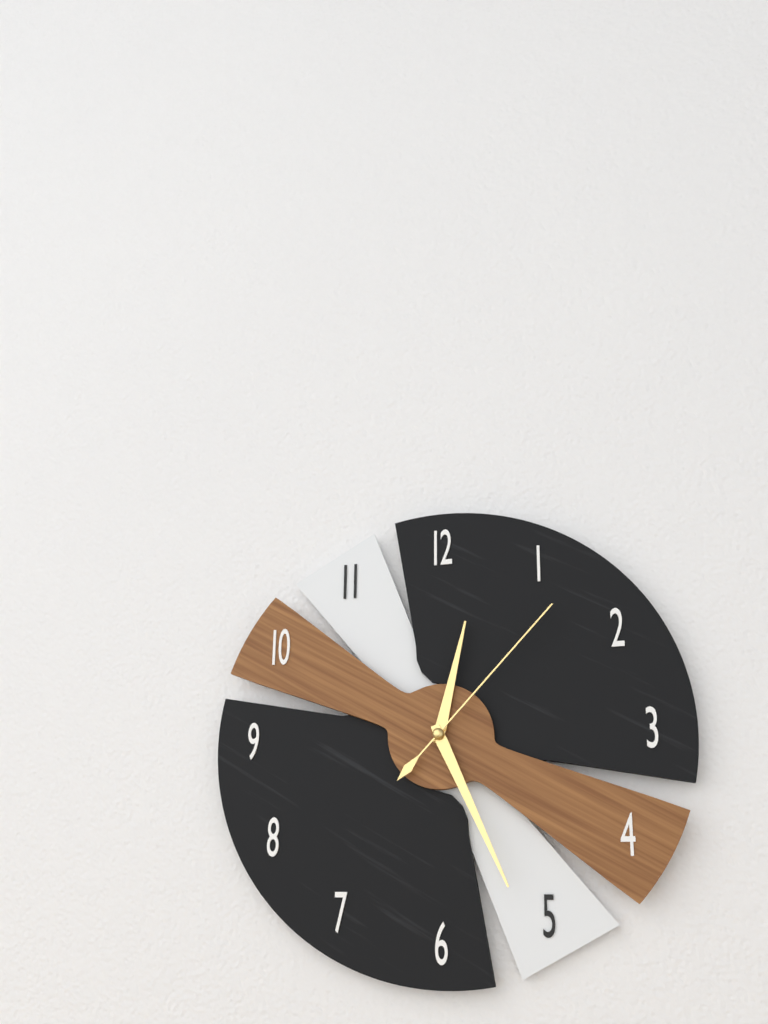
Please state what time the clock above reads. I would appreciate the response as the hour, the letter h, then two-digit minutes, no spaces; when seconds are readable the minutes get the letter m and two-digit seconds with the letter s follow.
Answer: 12h26m07s
